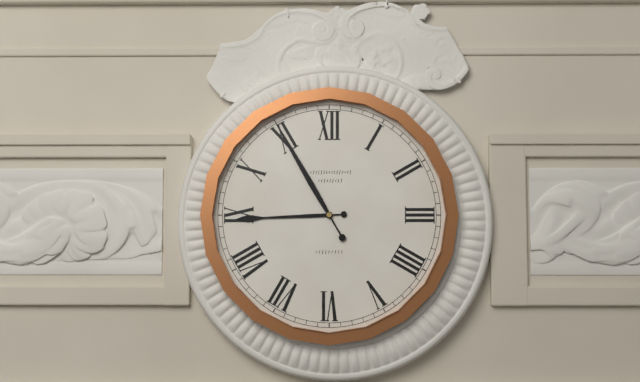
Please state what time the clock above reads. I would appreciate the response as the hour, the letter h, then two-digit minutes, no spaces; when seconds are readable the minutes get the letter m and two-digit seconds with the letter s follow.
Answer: 8h55
